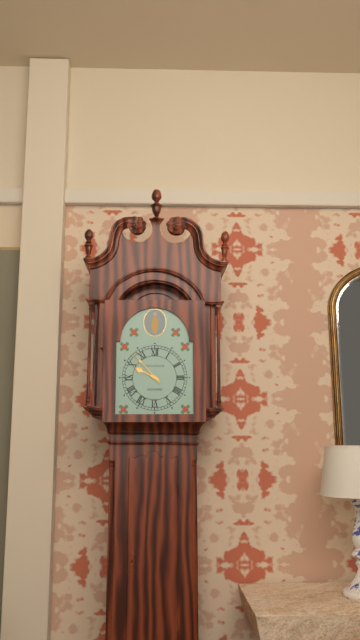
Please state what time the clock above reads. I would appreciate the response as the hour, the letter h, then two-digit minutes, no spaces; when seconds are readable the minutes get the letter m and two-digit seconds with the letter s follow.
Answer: 9h53
